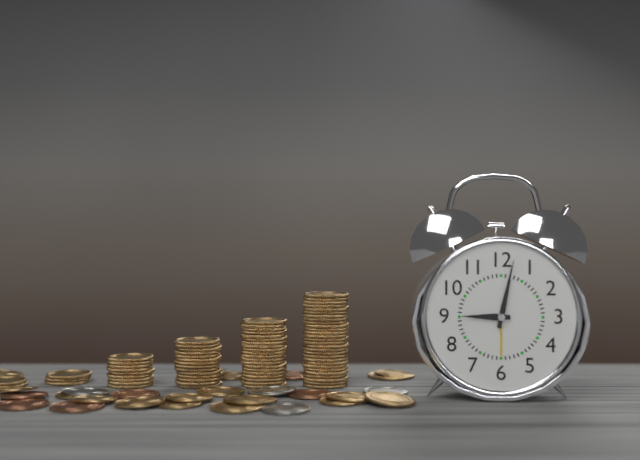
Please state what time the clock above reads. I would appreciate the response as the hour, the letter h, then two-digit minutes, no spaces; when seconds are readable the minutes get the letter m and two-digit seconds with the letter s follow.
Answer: 9h02
